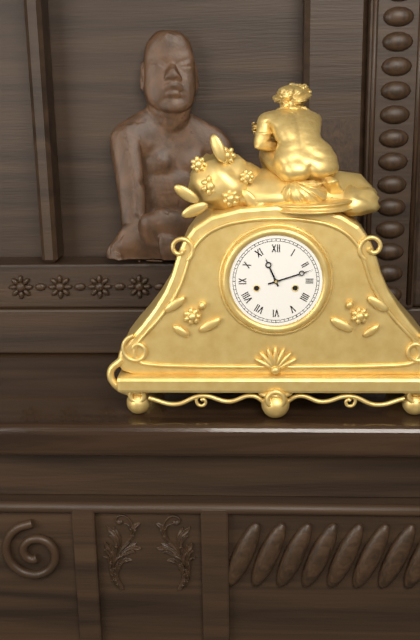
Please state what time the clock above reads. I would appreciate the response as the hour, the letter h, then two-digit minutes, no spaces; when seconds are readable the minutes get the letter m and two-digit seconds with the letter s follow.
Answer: 11h12
